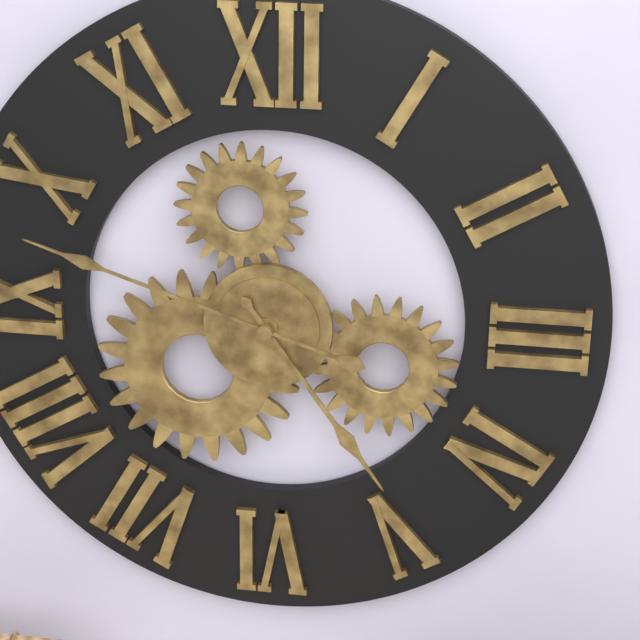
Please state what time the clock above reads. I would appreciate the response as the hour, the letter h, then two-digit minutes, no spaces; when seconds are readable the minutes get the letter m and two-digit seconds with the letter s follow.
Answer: 4h48
